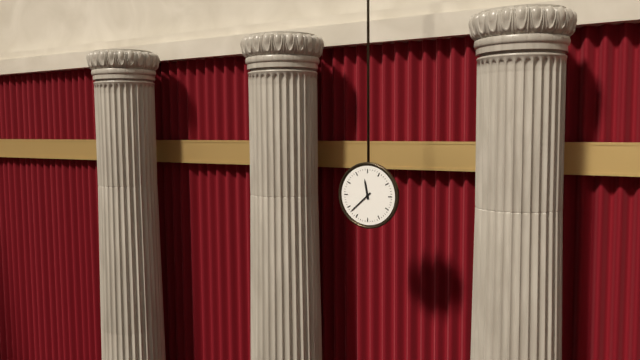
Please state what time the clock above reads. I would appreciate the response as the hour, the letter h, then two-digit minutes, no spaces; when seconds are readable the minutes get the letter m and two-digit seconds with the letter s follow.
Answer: 11h38
